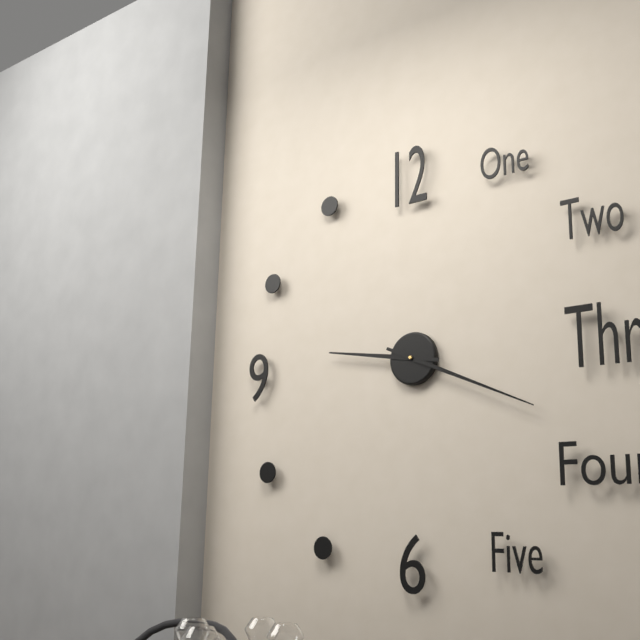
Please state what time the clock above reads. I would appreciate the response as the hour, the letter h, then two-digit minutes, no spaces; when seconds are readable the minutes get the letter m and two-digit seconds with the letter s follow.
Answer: 9h19
